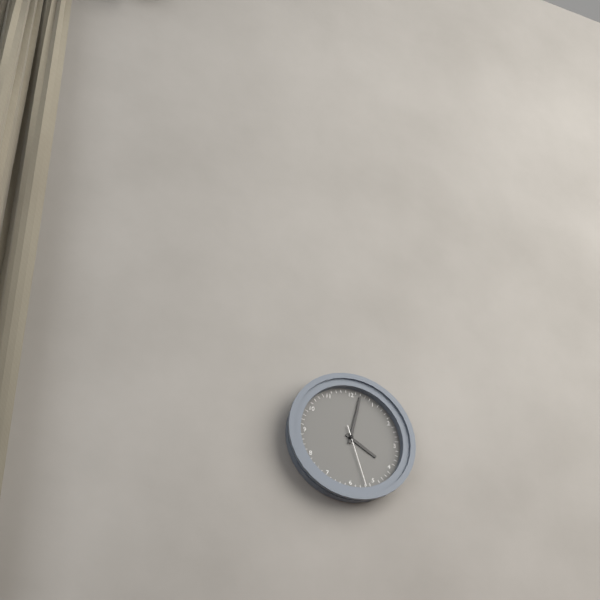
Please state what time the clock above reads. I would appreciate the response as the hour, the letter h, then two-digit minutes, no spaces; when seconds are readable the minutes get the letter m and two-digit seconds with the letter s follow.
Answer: 4h02m27s
